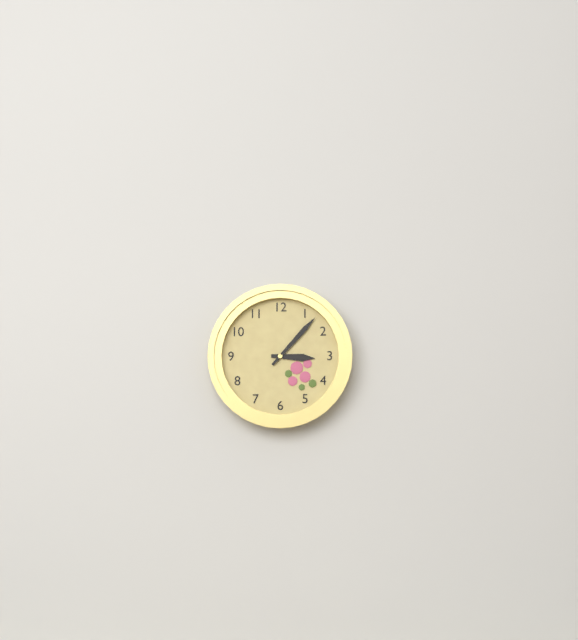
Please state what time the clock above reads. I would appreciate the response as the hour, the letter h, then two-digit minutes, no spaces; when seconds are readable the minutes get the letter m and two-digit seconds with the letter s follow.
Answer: 3h07
